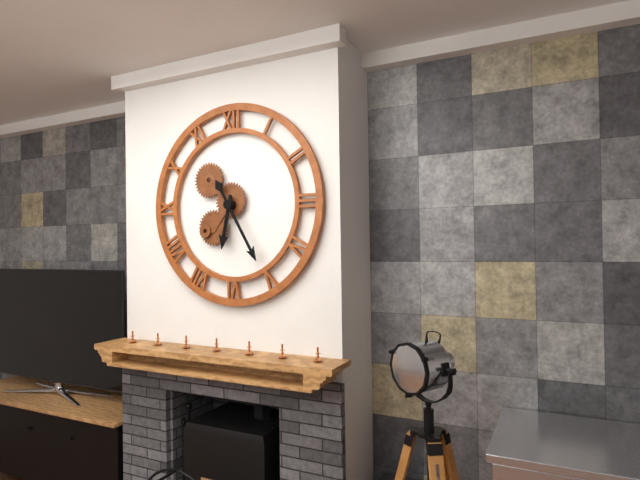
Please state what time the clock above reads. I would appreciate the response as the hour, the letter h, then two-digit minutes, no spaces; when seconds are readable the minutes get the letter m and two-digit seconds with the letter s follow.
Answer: 6h25
